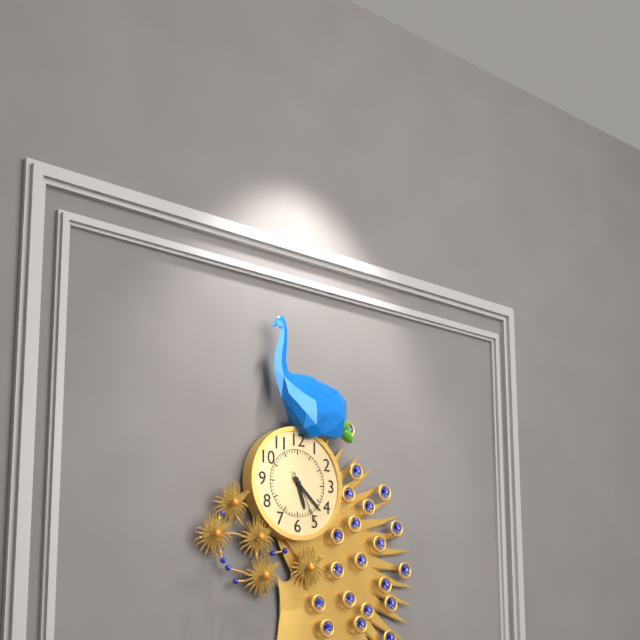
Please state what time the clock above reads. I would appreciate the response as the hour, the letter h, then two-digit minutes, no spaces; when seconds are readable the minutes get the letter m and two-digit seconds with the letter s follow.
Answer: 5h22m25s
